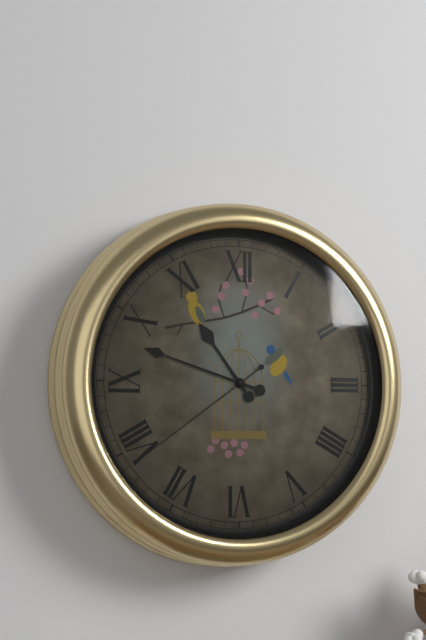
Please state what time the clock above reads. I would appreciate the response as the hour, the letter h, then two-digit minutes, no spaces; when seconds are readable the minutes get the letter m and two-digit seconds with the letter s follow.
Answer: 10h48m39s
